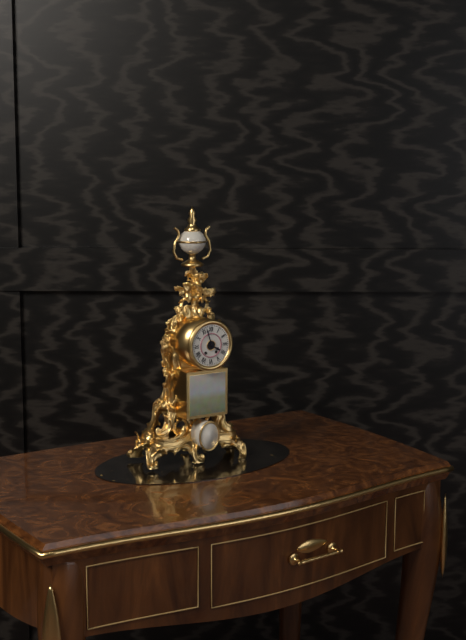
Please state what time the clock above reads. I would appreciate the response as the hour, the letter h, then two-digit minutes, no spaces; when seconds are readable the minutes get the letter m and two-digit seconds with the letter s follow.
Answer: 3h57
